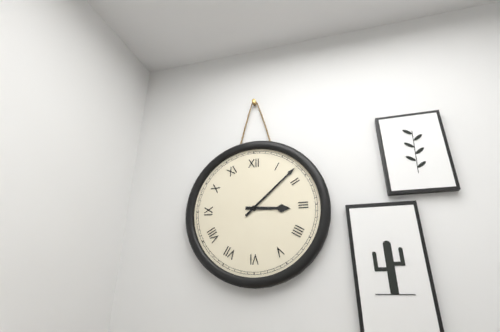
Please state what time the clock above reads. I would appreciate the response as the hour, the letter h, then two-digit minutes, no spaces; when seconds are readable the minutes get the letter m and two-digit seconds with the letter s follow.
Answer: 3h08
